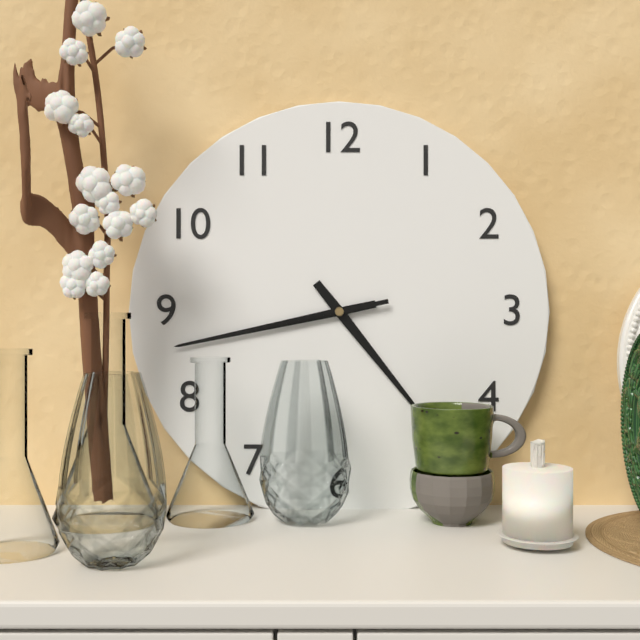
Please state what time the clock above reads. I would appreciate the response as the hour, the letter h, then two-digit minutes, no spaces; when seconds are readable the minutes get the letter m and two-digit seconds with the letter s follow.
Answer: 4h43m43s
